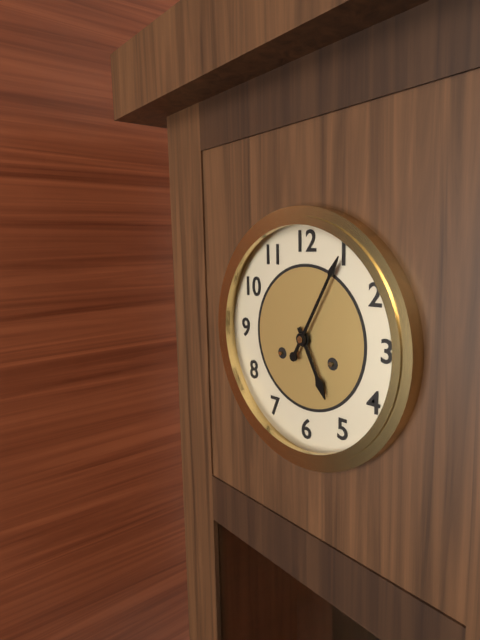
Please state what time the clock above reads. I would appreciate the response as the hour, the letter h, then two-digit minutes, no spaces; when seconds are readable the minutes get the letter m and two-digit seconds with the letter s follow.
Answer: 5h05
